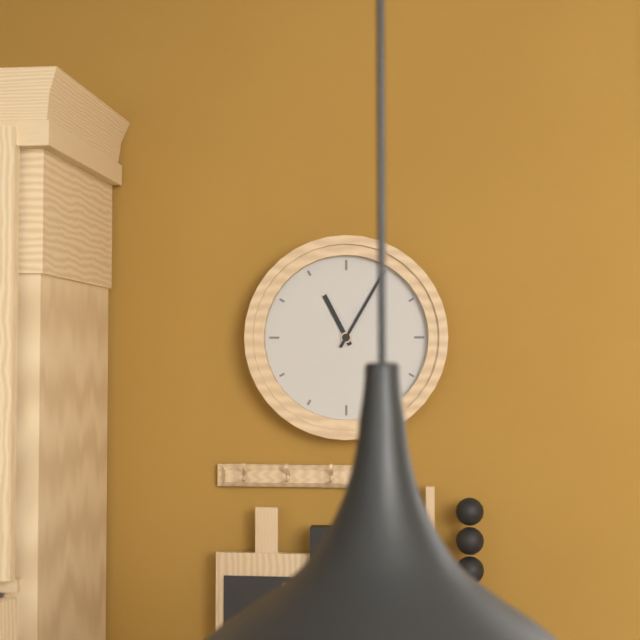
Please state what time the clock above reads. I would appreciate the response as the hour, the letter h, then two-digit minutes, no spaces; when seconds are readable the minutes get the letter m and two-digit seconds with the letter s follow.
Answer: 11h05
